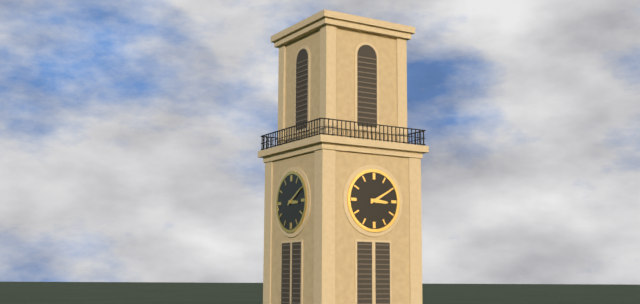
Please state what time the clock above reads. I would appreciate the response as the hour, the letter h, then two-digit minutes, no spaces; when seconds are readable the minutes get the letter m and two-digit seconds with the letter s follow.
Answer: 3h10
